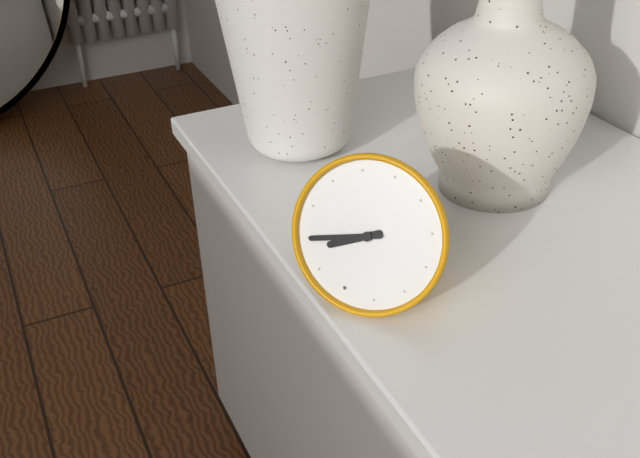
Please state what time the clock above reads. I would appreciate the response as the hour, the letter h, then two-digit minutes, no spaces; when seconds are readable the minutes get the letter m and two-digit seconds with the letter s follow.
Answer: 7h40
